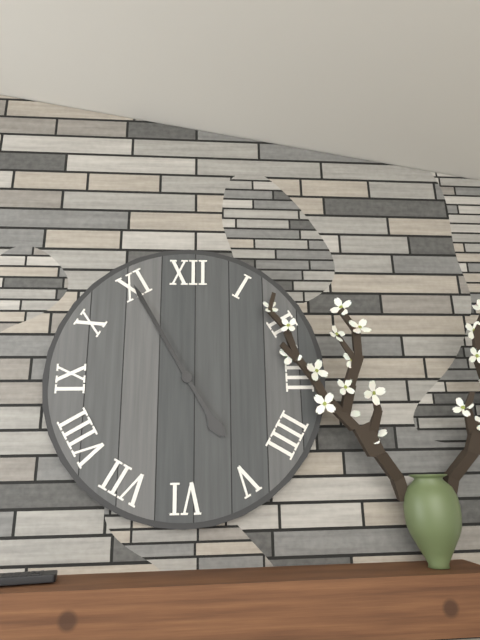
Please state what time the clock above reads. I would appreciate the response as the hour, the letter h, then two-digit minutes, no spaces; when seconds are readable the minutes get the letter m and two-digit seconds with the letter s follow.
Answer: 4h55
